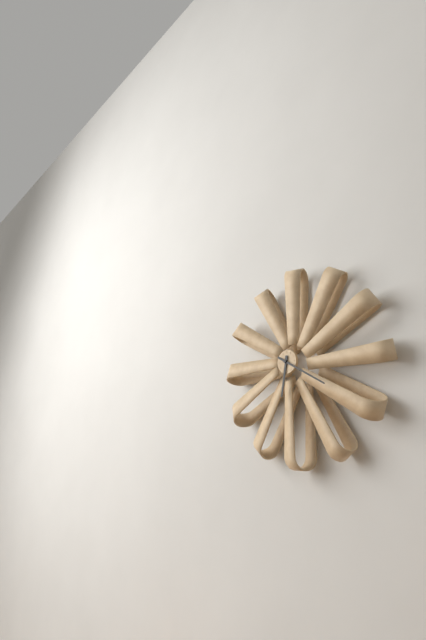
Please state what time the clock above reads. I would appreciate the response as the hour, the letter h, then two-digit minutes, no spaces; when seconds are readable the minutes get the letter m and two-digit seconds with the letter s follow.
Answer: 6h20
